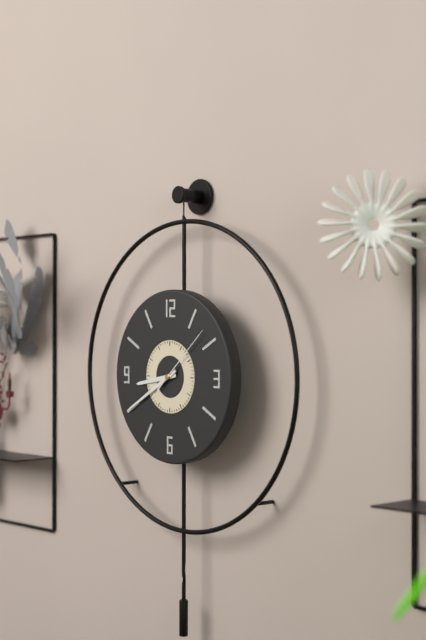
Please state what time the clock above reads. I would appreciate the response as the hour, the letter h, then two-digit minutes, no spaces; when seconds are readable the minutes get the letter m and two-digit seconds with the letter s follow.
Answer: 8h40m08s
